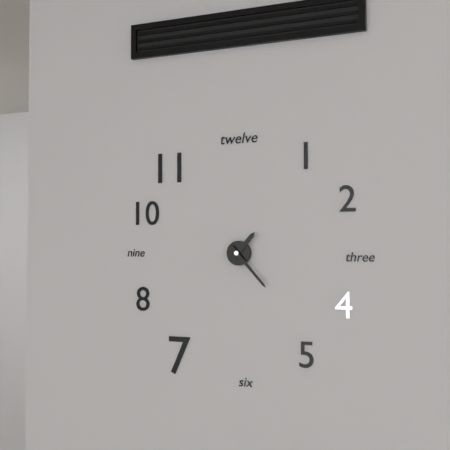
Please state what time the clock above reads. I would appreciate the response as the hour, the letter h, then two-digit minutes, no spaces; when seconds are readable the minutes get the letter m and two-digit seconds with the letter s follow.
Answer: 1h23
